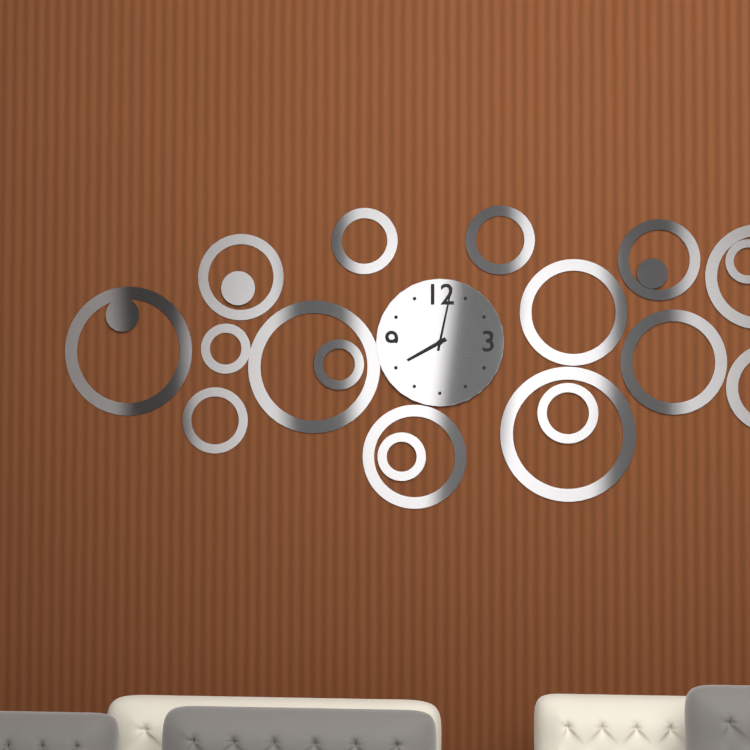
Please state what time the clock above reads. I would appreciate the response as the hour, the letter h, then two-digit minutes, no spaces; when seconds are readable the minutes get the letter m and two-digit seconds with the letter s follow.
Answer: 8h02
